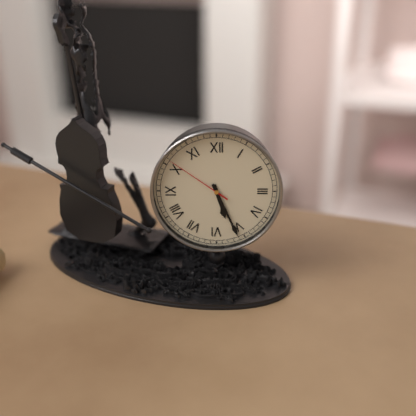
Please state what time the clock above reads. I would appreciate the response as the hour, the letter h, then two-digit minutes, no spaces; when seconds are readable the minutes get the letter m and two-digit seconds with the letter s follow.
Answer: 5h26m51s
